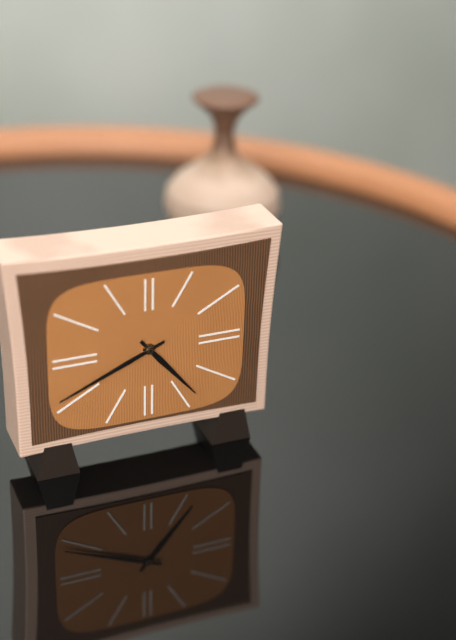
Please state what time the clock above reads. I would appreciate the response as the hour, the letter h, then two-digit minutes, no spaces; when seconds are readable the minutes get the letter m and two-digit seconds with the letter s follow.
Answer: 4h41
